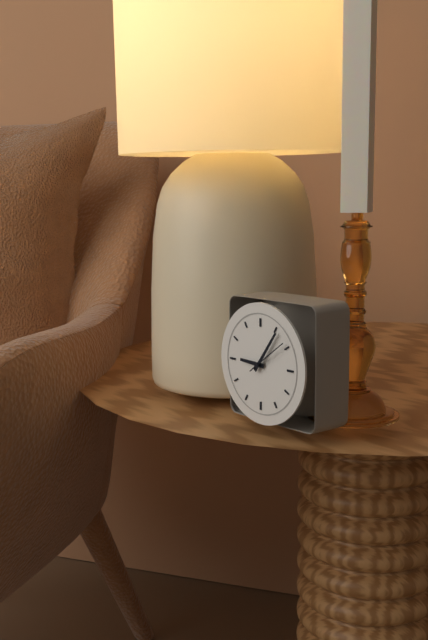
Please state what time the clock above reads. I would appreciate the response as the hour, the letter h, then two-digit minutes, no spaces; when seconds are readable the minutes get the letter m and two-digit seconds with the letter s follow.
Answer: 9h06
